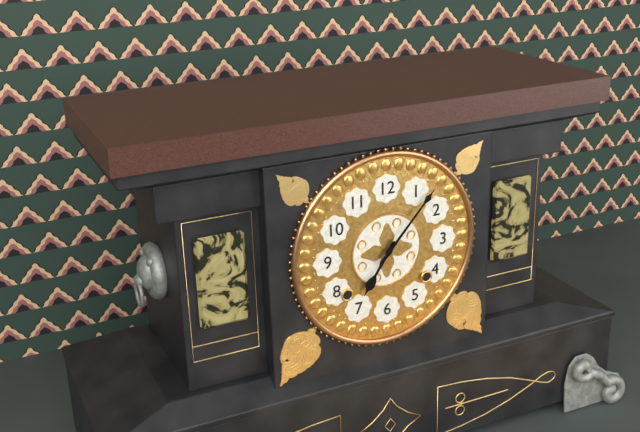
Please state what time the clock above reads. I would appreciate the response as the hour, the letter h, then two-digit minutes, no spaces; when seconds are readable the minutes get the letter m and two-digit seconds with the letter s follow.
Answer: 7h07
